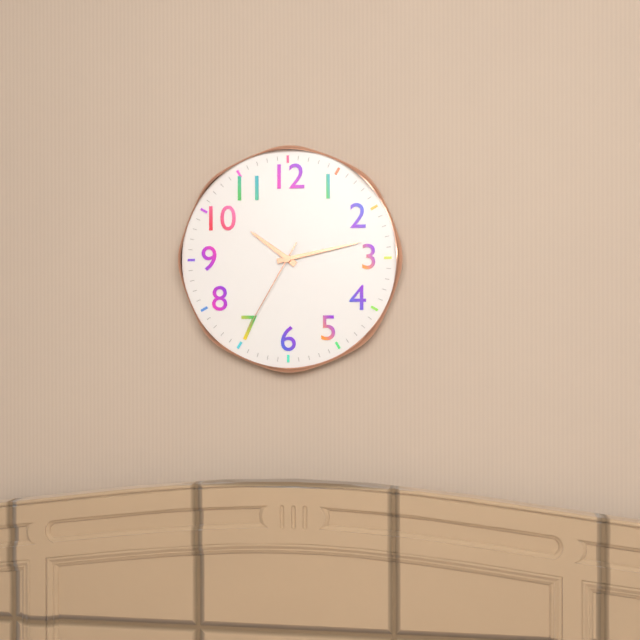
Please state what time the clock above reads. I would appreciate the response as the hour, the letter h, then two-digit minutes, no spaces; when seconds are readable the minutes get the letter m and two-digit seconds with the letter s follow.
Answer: 10h13m35s
